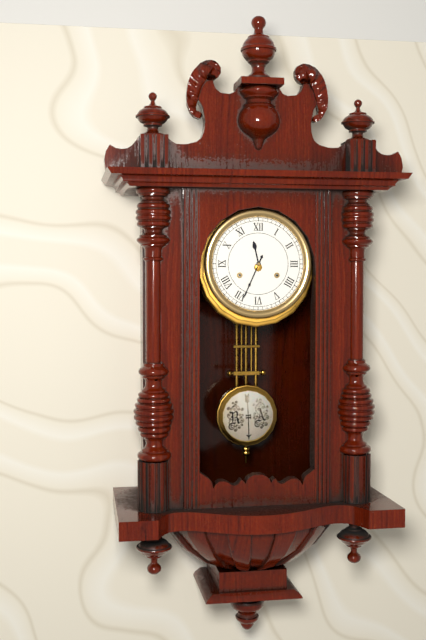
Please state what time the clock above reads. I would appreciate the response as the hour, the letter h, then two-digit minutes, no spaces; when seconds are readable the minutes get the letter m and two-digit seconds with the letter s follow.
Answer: 11h34
